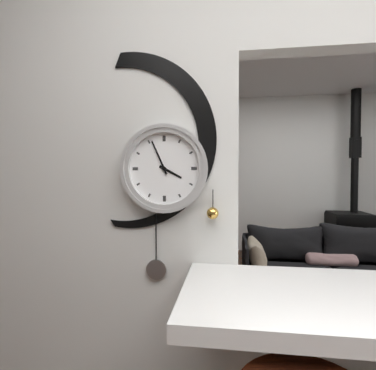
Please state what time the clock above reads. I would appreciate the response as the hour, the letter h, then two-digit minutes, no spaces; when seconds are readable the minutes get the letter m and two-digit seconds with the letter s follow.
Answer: 3h56
